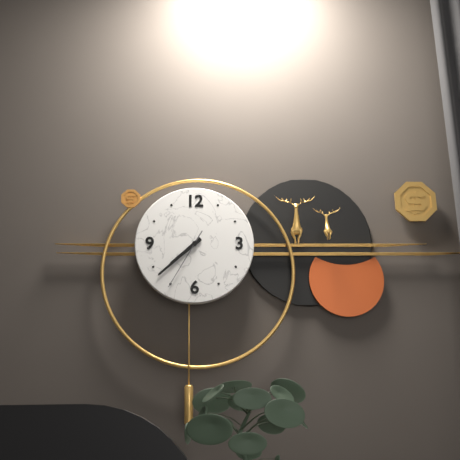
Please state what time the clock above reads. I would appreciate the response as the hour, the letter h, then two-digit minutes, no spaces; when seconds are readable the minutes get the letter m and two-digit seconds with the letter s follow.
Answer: 7h38m35s
